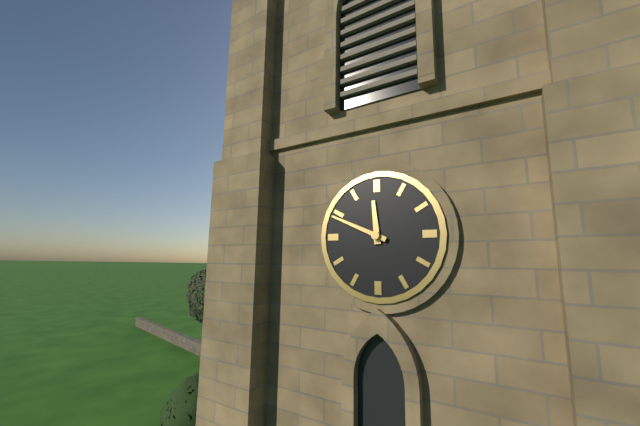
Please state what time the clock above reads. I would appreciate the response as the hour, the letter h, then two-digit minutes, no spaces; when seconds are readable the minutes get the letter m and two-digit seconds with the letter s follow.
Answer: 11h49
